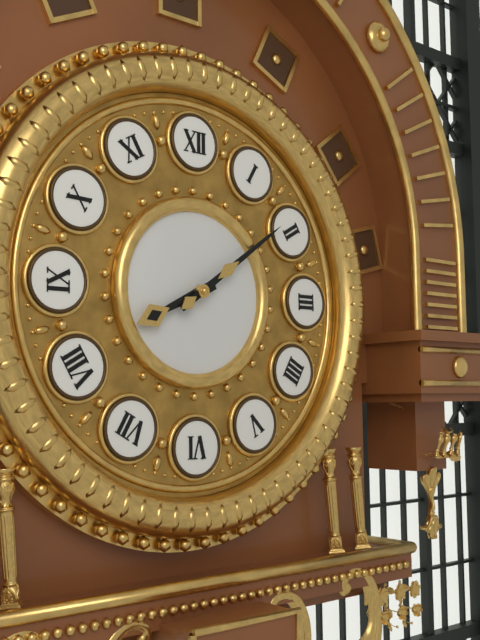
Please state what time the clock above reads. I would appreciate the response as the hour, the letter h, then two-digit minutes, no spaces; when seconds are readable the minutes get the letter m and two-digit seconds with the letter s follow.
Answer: 8h09
